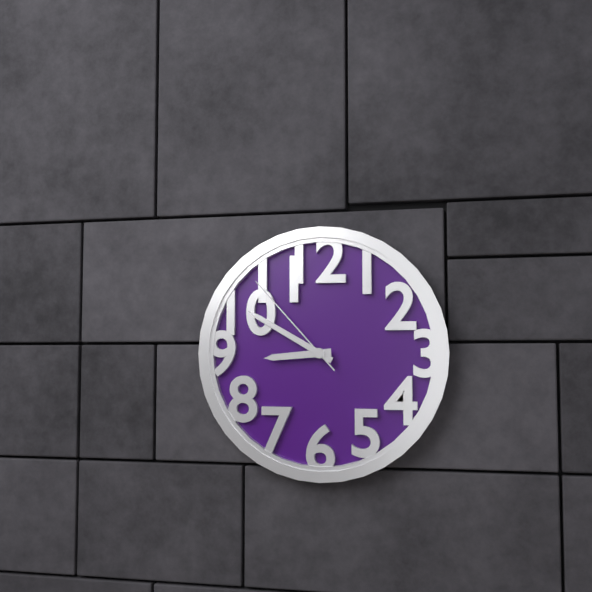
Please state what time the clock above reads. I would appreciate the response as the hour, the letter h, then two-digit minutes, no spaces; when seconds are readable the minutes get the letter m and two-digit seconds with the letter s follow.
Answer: 8h50m53s
